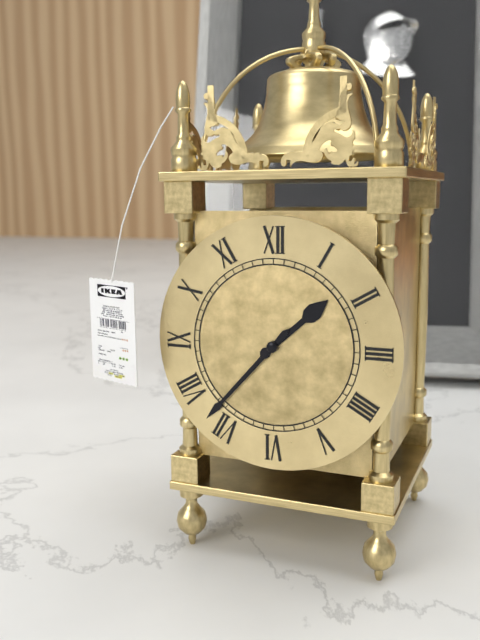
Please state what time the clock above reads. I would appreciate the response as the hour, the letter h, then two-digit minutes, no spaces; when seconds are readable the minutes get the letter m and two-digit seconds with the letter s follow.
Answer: 1h37
